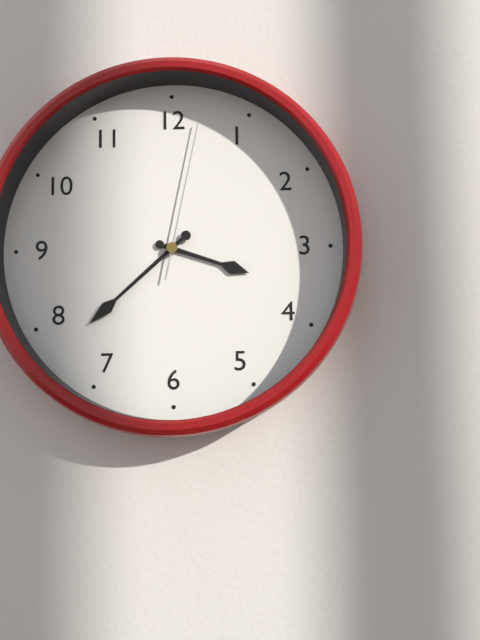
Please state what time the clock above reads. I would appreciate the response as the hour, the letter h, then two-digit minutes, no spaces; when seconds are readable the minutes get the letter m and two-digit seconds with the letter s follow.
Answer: 3h38m02s
